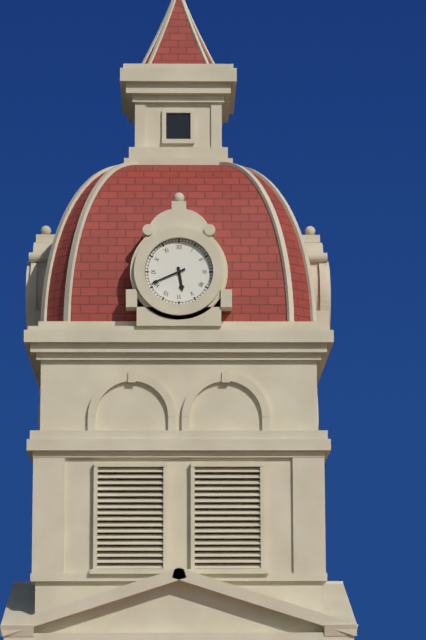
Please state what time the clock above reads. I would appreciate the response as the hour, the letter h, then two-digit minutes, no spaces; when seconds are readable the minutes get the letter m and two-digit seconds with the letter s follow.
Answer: 5h41
